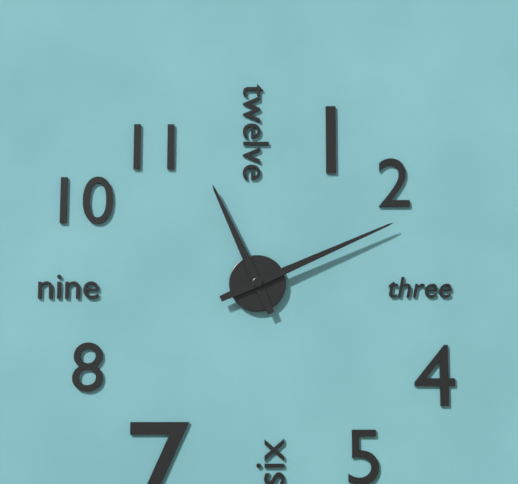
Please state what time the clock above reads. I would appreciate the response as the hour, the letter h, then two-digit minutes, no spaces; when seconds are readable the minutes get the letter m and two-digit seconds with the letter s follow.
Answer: 11h11
